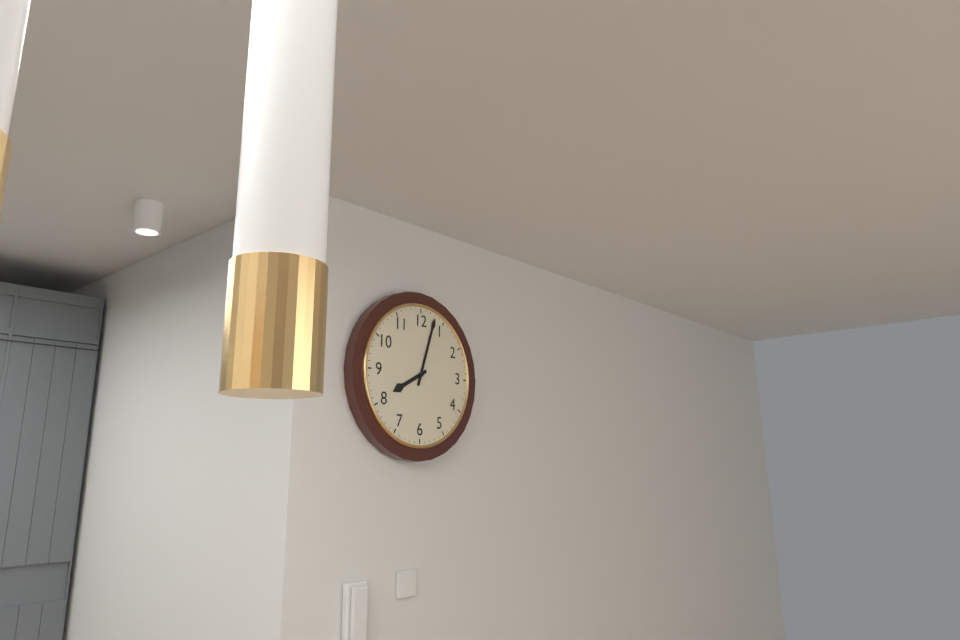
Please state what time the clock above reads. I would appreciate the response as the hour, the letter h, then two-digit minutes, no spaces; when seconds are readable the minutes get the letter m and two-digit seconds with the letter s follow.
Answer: 8h03
